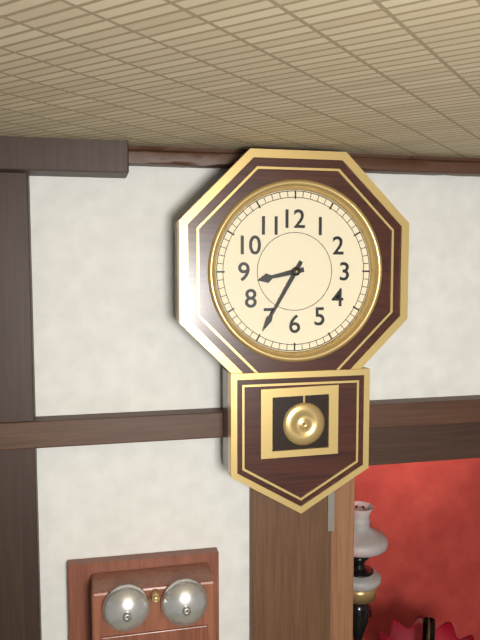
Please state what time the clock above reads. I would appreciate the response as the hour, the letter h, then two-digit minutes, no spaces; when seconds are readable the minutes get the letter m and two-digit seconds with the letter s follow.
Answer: 8h35
